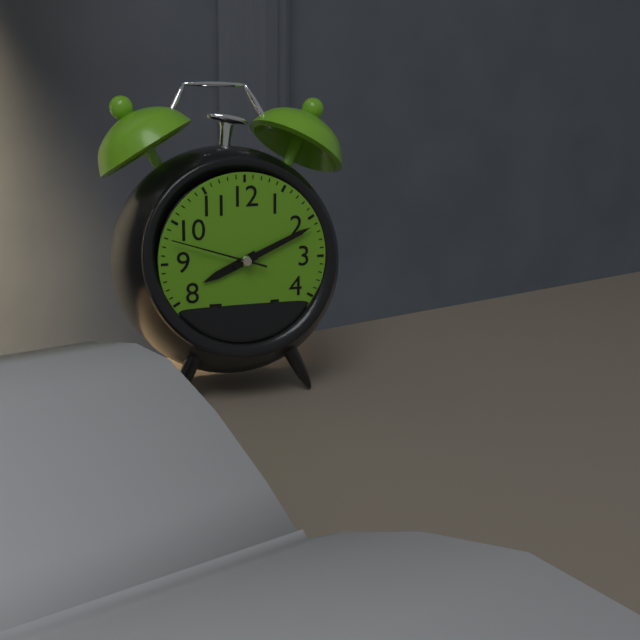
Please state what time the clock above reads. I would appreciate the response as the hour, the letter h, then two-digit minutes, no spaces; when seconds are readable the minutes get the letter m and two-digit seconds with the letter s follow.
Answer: 8h11m48s
